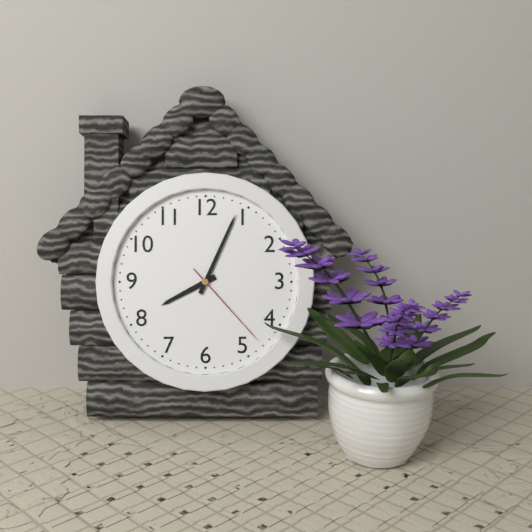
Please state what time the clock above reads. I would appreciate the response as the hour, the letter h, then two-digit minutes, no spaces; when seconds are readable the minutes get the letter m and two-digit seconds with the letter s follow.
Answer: 8h04m23s
